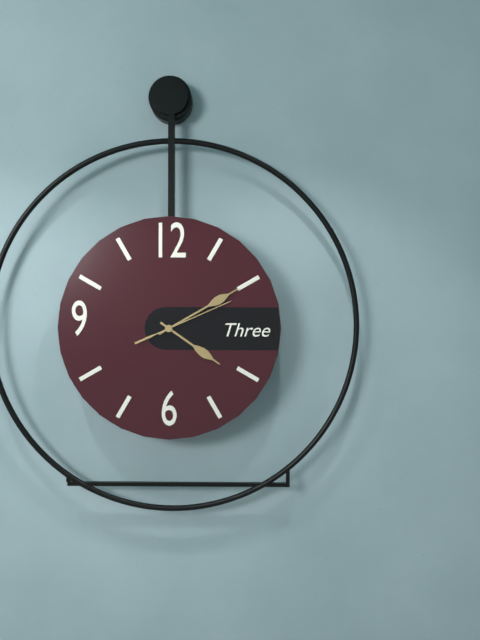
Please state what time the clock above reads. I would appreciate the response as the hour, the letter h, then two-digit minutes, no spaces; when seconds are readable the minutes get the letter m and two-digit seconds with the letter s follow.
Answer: 4h10m11s
